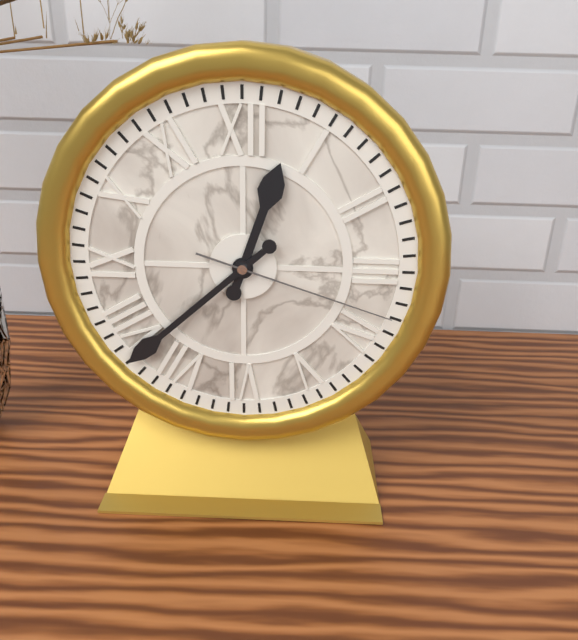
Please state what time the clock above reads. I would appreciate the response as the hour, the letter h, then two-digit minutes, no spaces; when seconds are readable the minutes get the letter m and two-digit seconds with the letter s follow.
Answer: 12h38m18s
